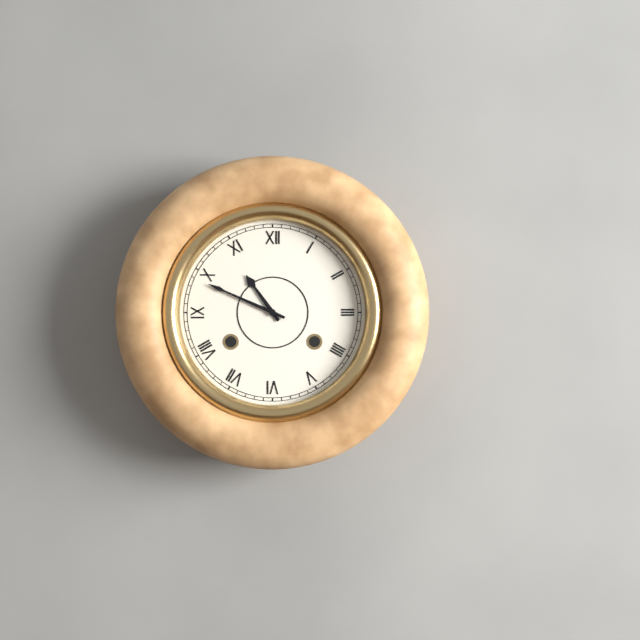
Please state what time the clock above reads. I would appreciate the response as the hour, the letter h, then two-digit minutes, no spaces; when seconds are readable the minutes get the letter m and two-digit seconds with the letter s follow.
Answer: 10h49
